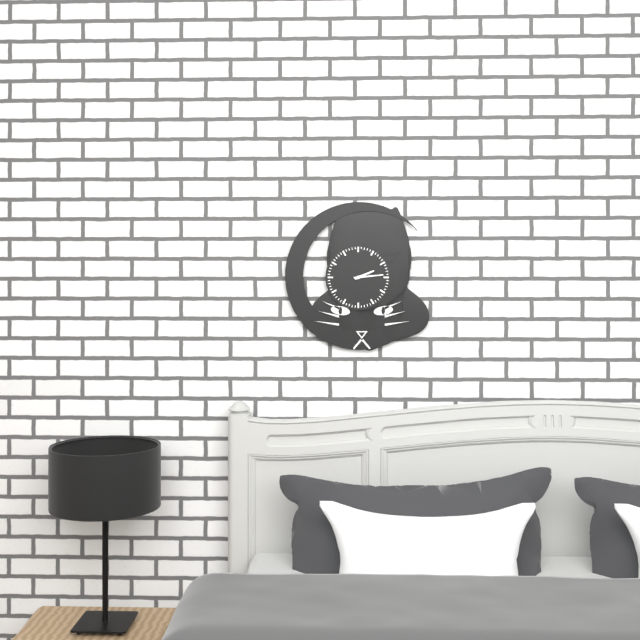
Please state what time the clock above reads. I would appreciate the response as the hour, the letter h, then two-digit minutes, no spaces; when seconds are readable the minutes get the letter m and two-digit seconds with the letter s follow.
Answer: 2h14
